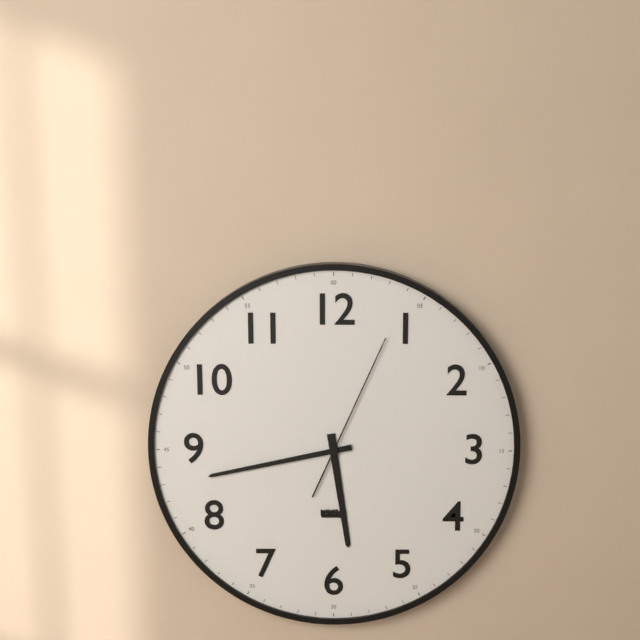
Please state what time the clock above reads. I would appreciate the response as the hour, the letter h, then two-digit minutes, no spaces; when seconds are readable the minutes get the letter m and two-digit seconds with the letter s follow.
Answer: 5h43m04s
